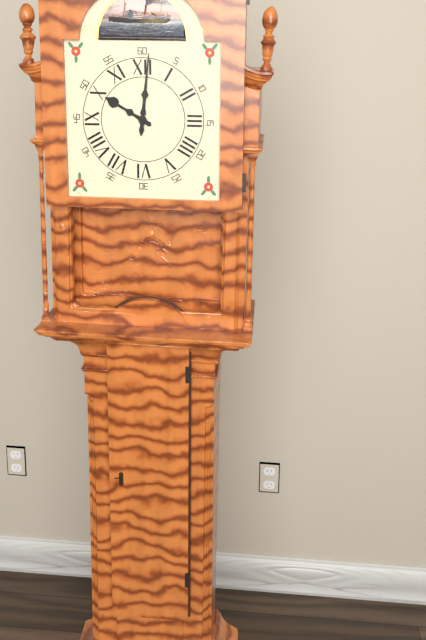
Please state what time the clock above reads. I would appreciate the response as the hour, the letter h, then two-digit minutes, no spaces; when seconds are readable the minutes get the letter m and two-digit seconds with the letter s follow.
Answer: 10h01
